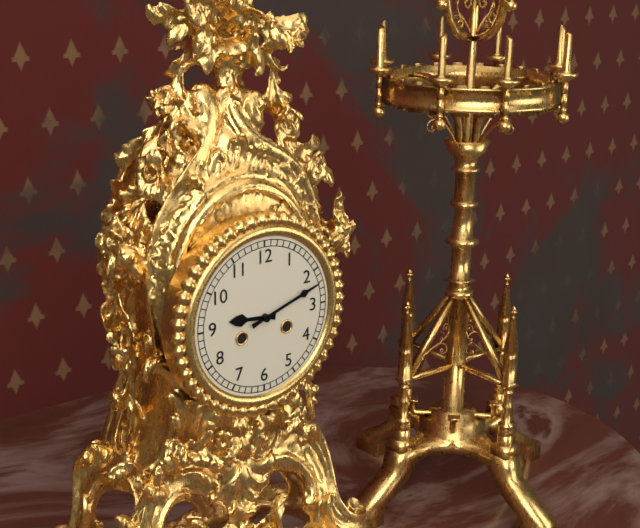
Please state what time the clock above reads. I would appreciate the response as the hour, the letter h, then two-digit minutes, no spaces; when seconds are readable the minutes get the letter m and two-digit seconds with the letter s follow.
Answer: 9h12
